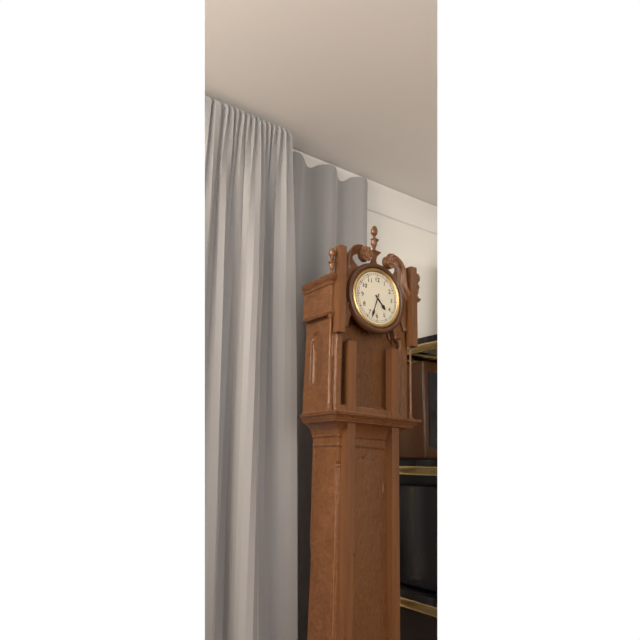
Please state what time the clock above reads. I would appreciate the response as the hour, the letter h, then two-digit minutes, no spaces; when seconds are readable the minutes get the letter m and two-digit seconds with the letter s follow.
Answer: 4h33
